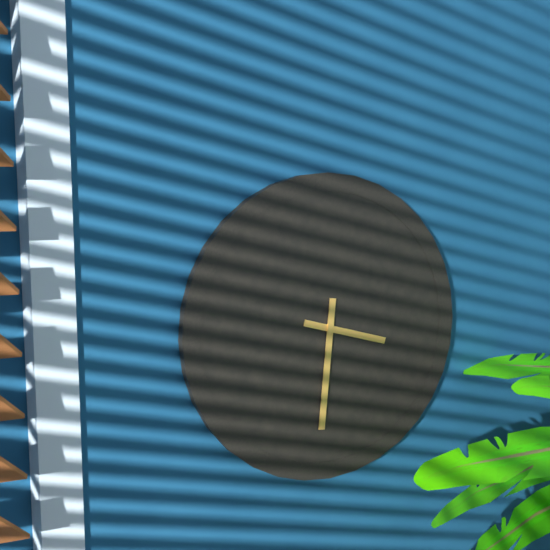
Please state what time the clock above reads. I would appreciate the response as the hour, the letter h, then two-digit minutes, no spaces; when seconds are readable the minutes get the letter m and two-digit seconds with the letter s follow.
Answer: 3h31
